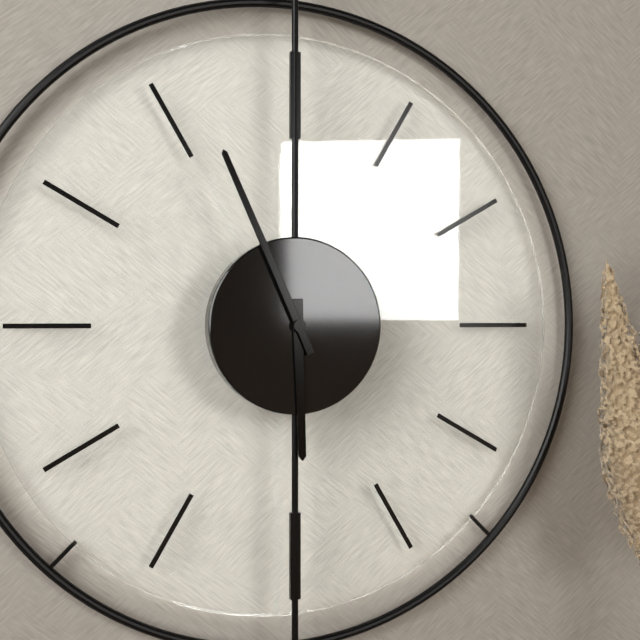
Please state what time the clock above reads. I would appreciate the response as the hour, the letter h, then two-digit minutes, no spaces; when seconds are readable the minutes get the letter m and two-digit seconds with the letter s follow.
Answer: 5h56
